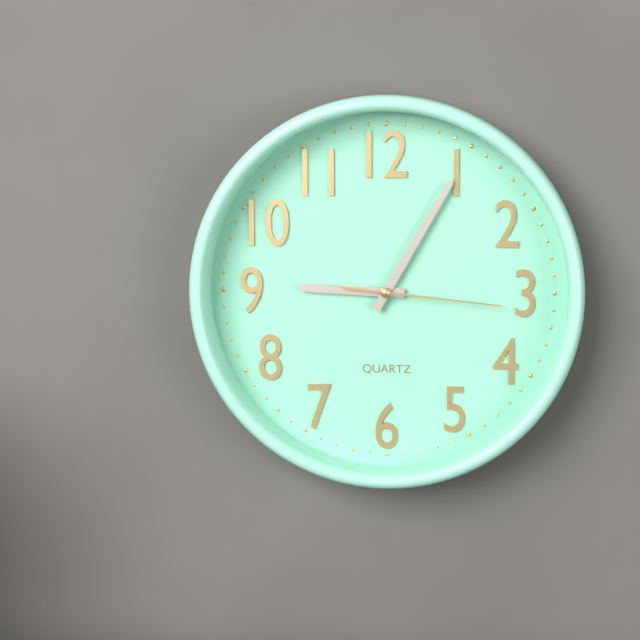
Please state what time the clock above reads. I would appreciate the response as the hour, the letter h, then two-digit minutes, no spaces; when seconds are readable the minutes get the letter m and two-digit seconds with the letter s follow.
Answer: 9h05m16s
